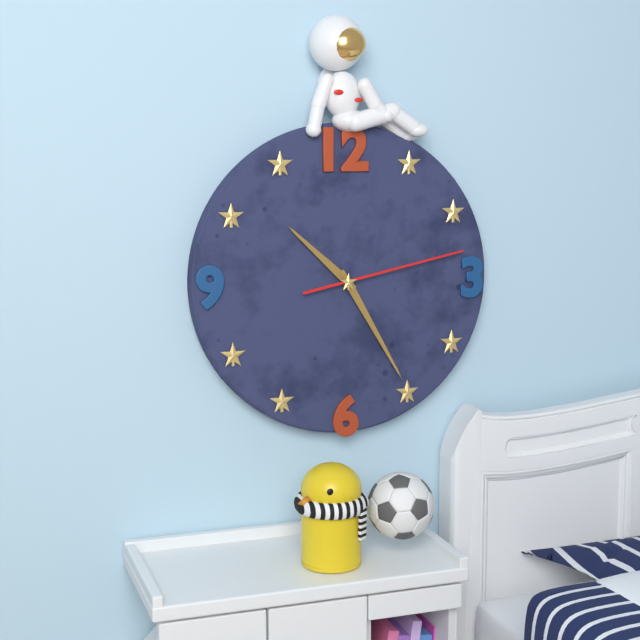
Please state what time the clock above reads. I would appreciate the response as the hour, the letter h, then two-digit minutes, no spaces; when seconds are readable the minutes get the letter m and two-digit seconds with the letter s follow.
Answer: 10h25m13s
